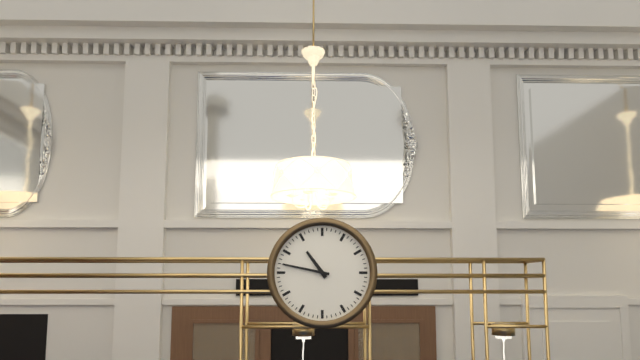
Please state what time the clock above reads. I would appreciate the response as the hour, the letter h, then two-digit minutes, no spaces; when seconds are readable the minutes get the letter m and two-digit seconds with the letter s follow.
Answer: 10h47
